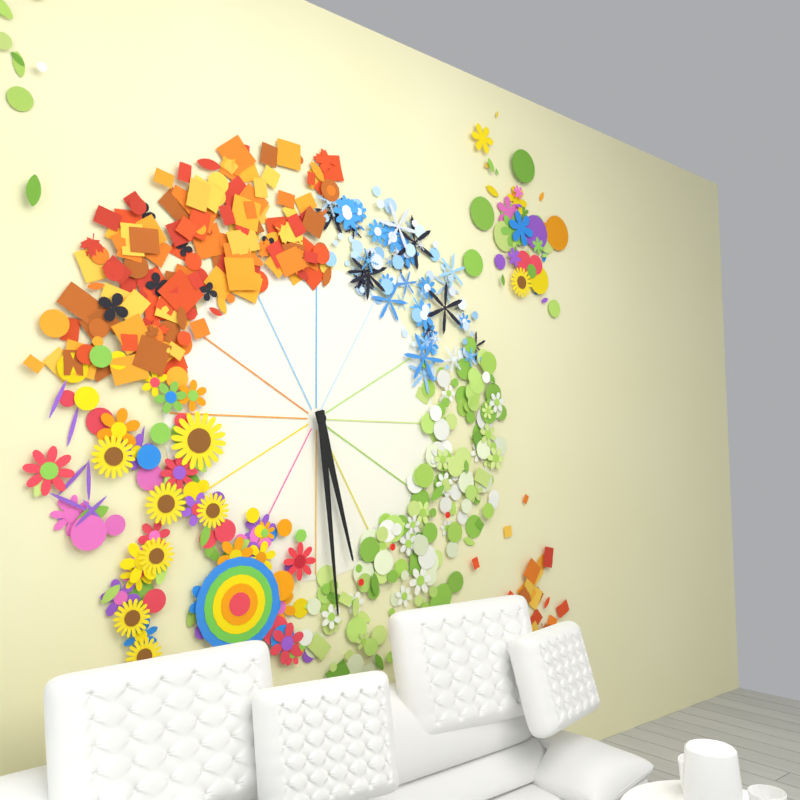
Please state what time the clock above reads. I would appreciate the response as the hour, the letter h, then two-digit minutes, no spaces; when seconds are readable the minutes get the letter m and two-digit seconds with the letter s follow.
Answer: 5h29
